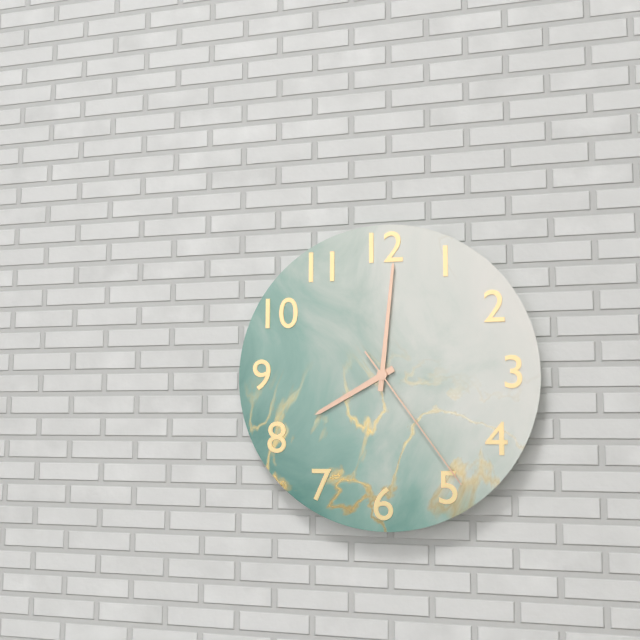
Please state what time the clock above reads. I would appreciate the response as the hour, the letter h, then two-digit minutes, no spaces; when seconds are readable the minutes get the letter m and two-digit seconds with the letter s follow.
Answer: 8h01m24s
